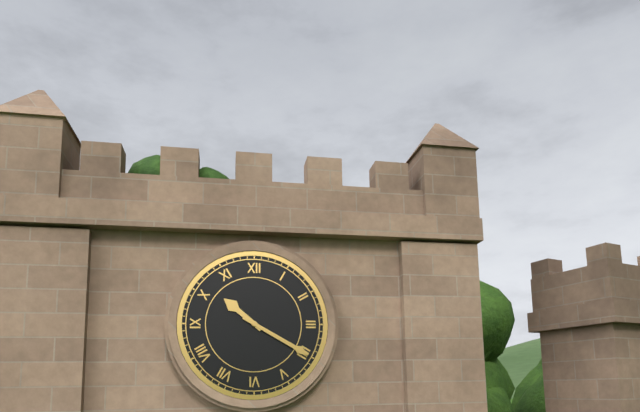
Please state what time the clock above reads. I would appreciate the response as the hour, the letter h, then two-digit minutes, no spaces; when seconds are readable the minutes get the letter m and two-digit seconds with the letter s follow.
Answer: 10h20
